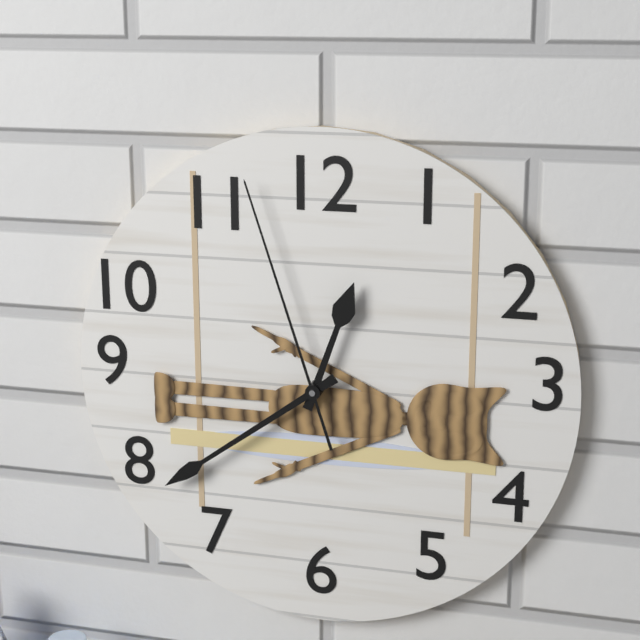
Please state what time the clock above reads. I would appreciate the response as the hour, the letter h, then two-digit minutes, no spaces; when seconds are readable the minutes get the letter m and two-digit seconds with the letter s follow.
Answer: 12h39m57s
